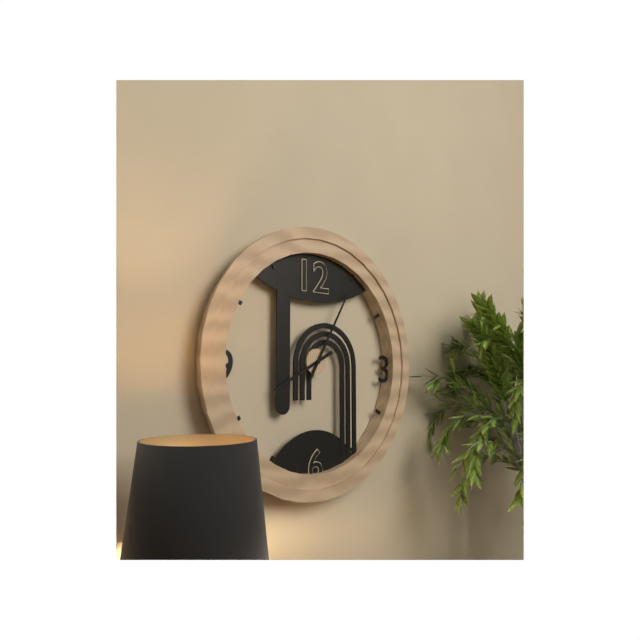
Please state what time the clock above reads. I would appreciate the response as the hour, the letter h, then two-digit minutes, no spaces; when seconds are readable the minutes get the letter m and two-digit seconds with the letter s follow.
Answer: 8h05
